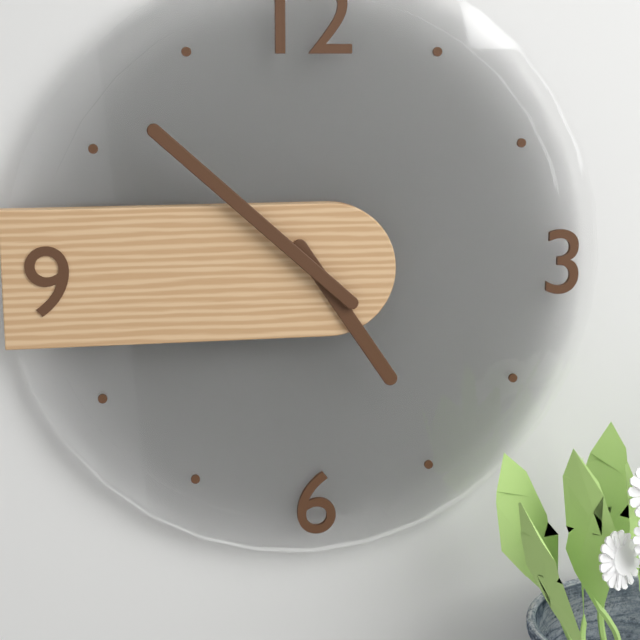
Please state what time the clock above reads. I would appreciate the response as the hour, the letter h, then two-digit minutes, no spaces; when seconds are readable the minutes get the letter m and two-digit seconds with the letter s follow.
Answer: 4h52
